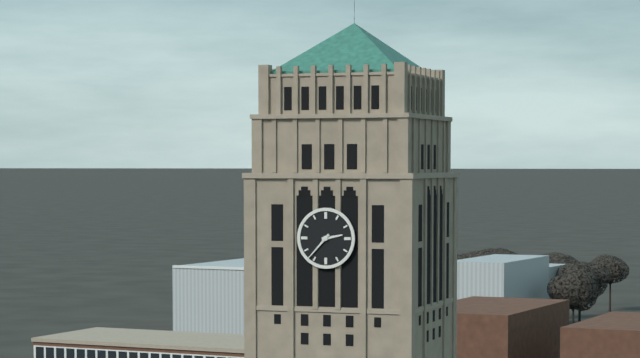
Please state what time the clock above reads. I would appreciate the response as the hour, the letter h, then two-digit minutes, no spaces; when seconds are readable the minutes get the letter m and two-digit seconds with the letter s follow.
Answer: 2h37
